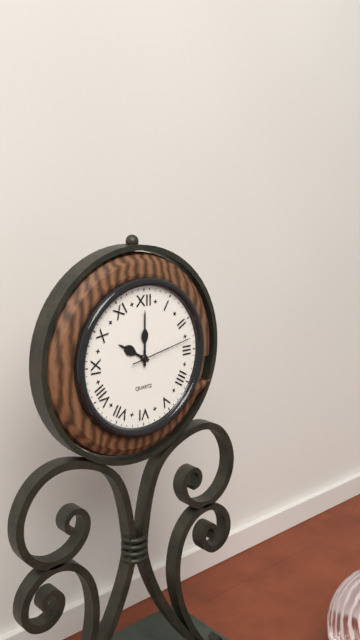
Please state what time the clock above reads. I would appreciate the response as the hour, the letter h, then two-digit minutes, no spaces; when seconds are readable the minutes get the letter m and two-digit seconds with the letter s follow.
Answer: 10h00m13s
